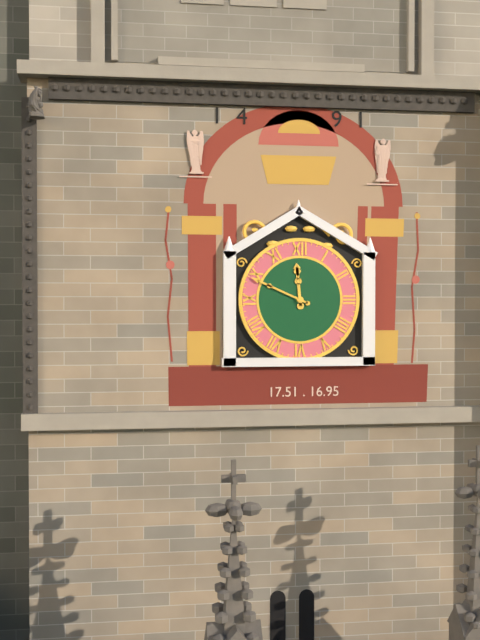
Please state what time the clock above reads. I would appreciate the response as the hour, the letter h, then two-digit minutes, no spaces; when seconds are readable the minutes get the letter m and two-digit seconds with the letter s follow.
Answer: 11h49
